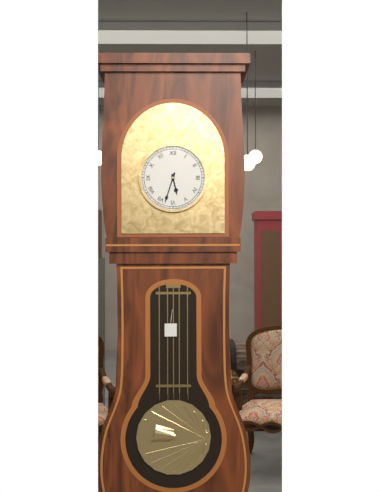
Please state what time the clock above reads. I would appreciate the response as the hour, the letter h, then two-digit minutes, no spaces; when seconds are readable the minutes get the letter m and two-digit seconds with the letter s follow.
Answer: 5h33
